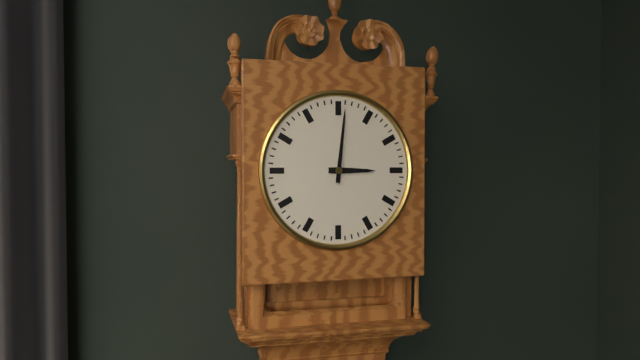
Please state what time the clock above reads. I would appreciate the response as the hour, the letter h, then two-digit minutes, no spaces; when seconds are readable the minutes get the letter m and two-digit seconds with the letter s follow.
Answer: 3h01
